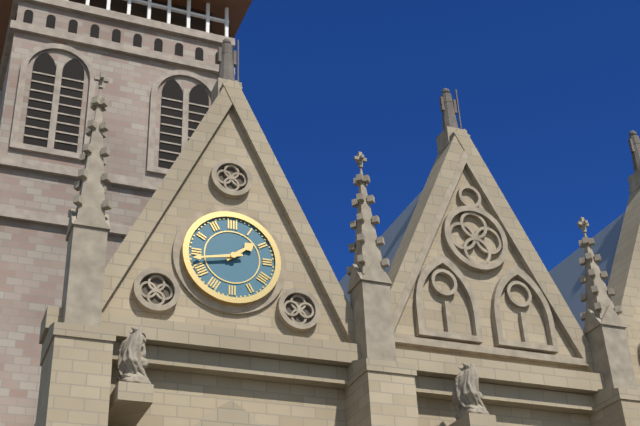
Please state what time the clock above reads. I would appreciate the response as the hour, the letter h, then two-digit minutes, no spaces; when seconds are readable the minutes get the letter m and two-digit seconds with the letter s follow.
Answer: 1h43
